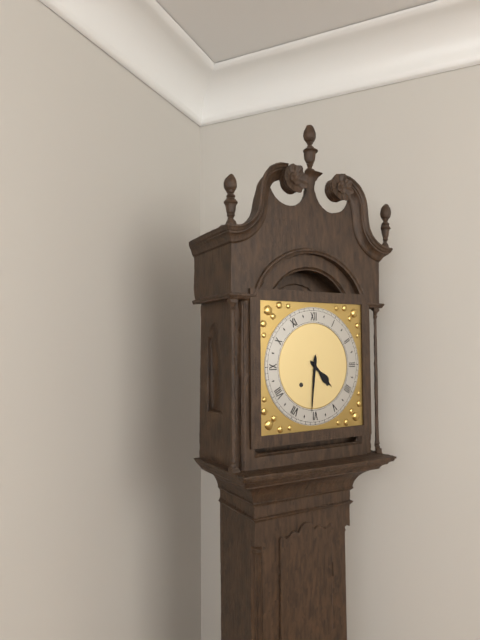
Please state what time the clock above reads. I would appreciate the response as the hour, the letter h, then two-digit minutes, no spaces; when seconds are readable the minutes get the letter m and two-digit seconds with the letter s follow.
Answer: 4h31
